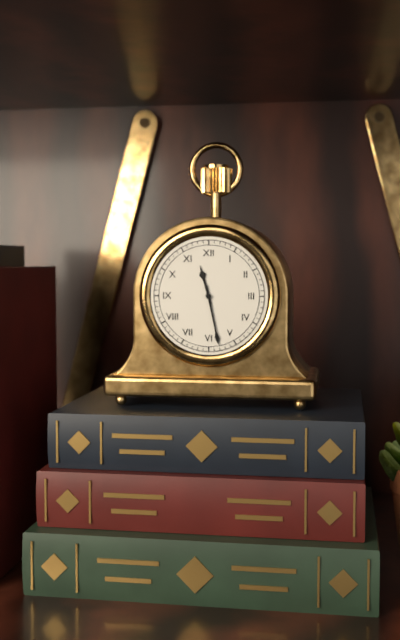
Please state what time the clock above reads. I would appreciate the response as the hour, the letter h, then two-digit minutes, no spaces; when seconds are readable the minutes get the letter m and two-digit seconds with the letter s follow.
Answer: 11h28
